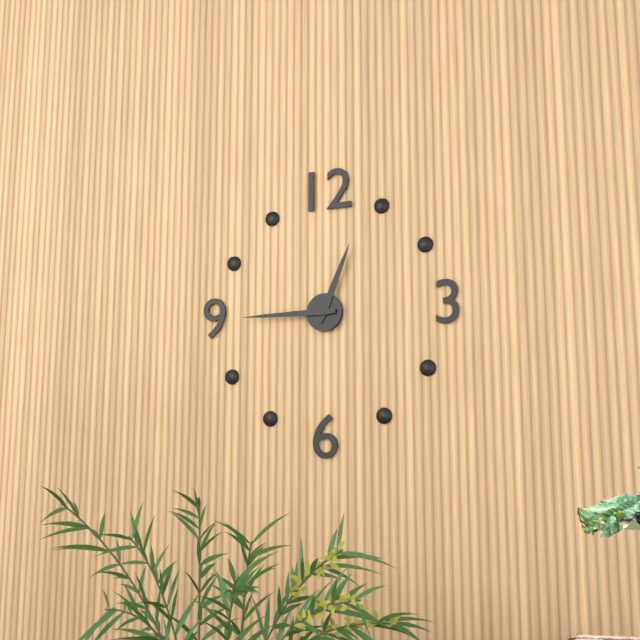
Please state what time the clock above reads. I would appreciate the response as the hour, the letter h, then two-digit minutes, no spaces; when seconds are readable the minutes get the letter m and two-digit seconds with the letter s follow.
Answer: 12h45
